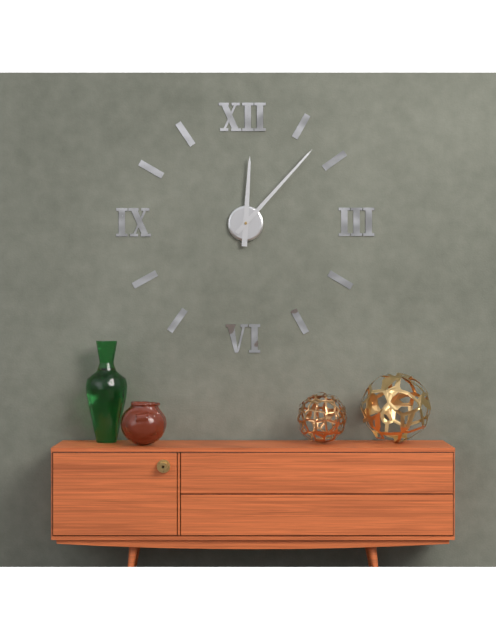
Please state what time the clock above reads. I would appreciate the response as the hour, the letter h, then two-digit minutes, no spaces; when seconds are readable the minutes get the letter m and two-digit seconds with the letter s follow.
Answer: 12h07
